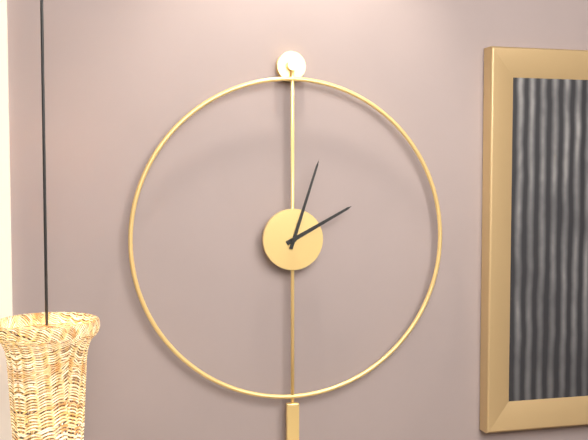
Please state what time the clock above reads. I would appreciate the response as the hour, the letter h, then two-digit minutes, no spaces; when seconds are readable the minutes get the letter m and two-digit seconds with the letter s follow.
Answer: 2h03
